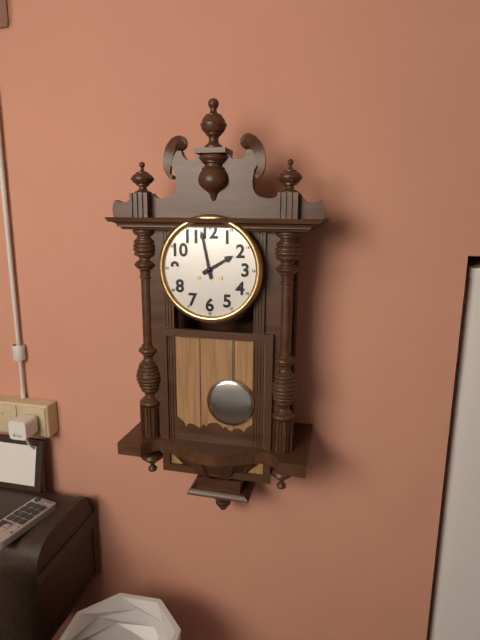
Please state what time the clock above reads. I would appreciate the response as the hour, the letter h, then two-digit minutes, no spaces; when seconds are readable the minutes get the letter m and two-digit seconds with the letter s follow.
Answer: 1h58
